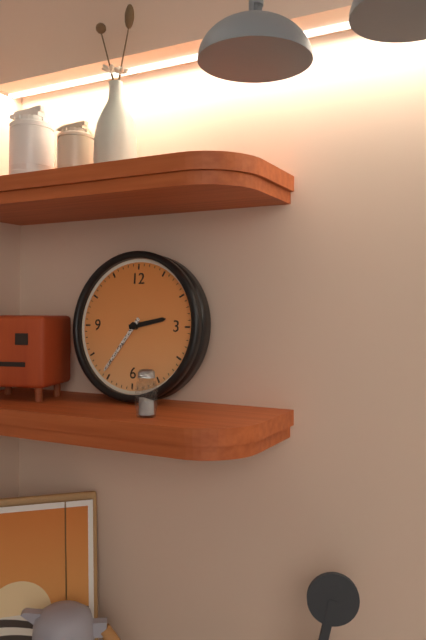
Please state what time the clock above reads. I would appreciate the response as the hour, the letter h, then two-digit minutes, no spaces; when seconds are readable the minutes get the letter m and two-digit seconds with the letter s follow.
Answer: 2h36
